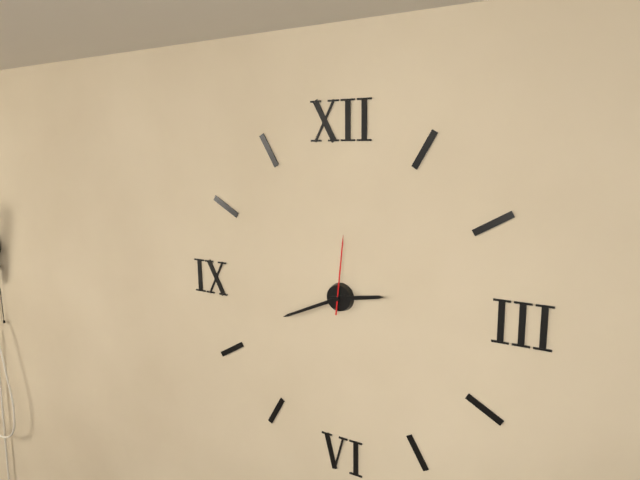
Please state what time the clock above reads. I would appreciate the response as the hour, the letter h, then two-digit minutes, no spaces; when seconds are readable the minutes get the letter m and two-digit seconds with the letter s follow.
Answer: 2h41m01s
